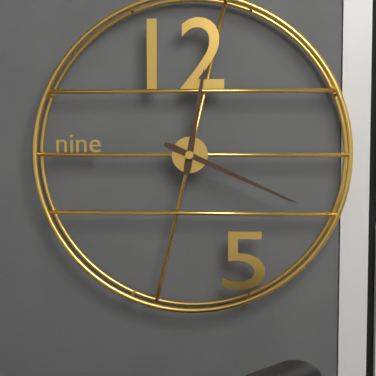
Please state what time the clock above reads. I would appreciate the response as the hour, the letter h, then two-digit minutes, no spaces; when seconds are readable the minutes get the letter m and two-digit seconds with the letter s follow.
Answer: 12h19
